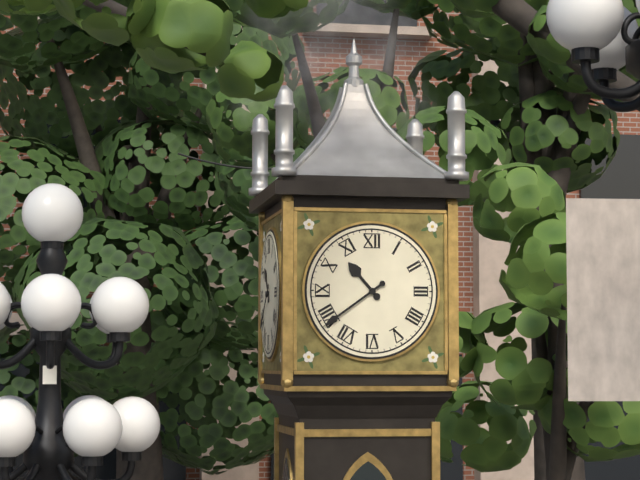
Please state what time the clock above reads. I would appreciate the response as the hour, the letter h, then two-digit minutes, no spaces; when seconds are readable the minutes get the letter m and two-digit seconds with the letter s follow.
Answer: 10h39
